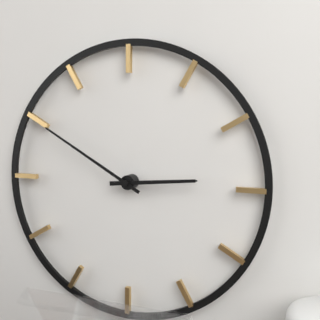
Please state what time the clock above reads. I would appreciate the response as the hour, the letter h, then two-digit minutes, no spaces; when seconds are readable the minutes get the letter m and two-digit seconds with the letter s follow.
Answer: 2h50
